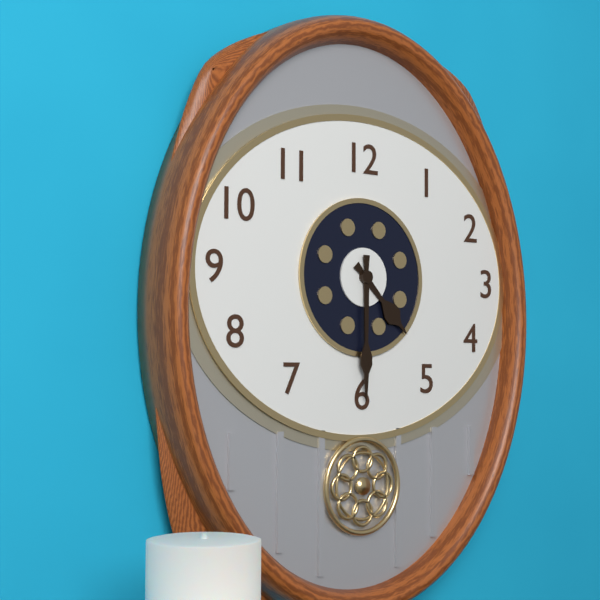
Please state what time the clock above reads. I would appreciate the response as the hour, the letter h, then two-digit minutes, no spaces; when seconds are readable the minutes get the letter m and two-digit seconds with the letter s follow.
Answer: 4h30
